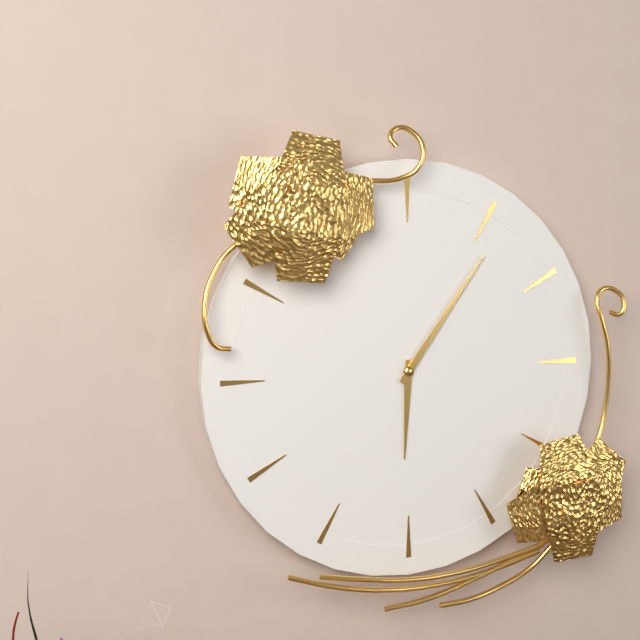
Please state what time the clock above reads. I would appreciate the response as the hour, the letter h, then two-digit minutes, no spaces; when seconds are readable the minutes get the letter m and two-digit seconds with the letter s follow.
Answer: 6h06
